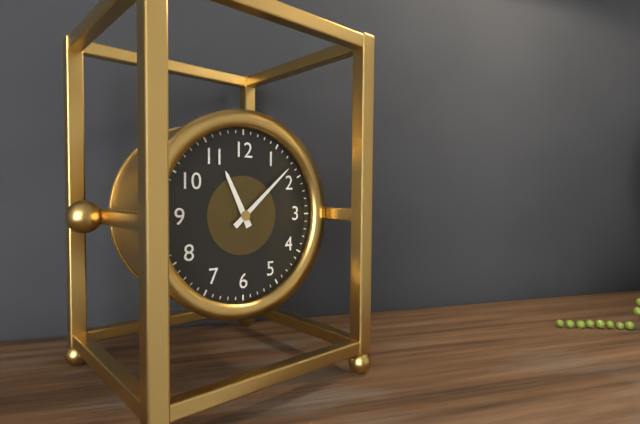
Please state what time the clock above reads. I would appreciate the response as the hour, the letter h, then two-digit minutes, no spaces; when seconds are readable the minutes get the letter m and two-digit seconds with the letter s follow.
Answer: 11h08
